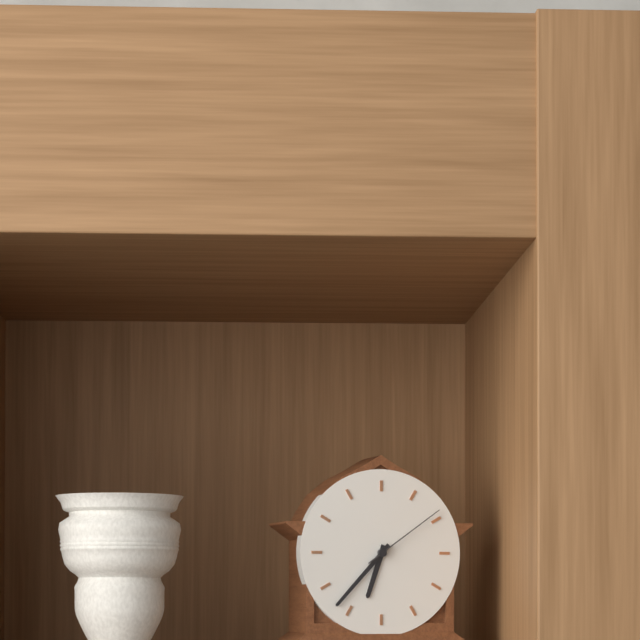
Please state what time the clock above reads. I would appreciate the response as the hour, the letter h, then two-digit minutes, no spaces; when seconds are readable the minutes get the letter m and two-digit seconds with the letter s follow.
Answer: 6h37m09s
